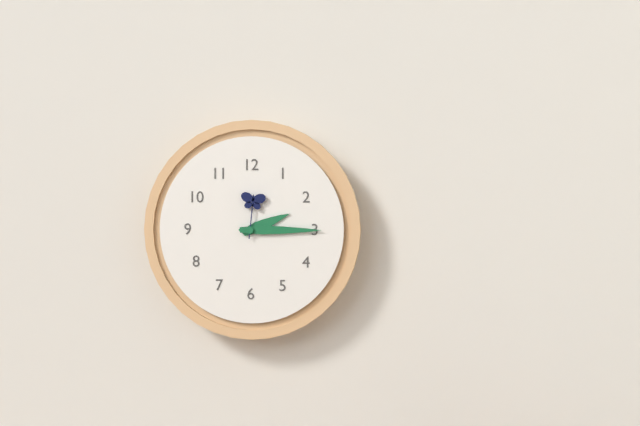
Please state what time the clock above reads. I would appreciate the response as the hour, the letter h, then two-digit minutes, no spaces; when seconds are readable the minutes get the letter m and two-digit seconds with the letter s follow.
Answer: 2h15
